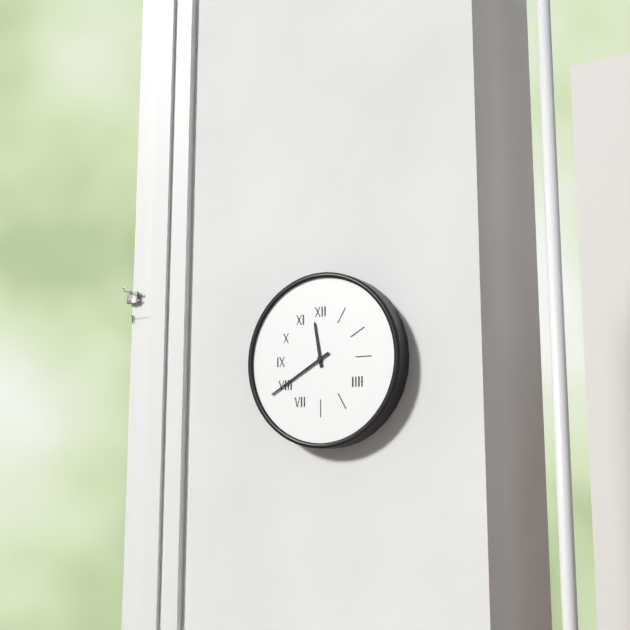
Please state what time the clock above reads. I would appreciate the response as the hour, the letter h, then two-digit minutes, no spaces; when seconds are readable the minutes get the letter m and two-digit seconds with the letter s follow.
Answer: 11h40
